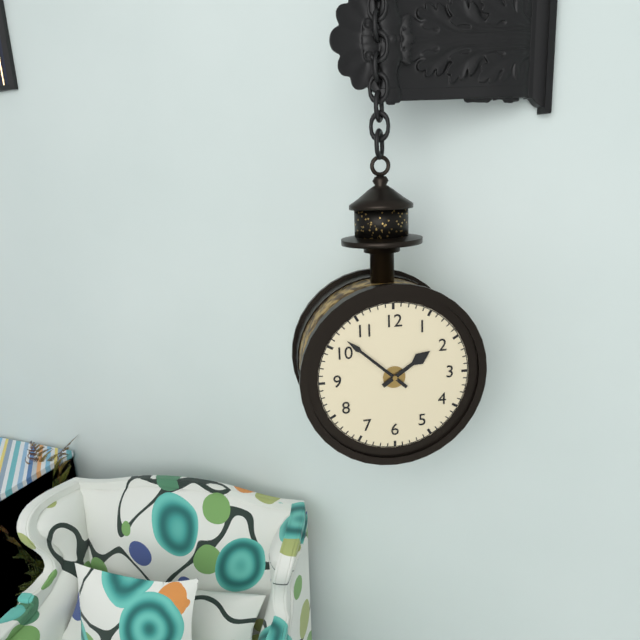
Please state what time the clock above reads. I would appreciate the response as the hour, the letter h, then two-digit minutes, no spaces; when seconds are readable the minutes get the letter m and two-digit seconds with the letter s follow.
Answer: 1h52
